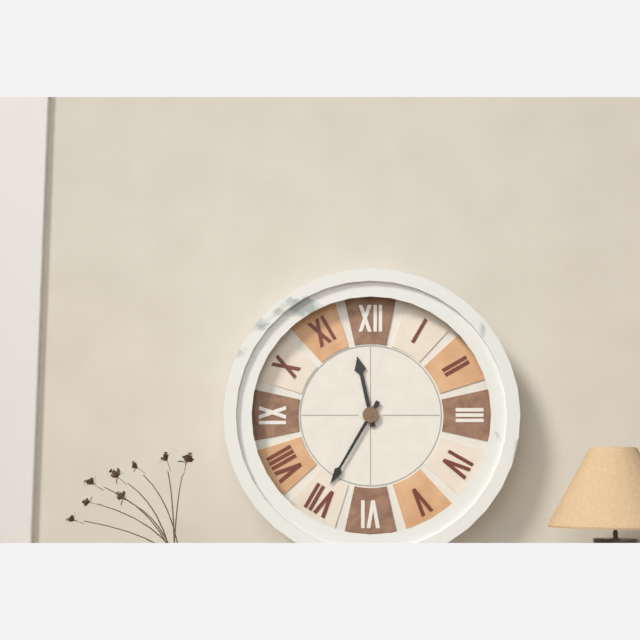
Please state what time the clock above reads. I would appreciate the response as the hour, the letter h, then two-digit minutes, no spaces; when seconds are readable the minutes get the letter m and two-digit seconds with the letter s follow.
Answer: 11h35
